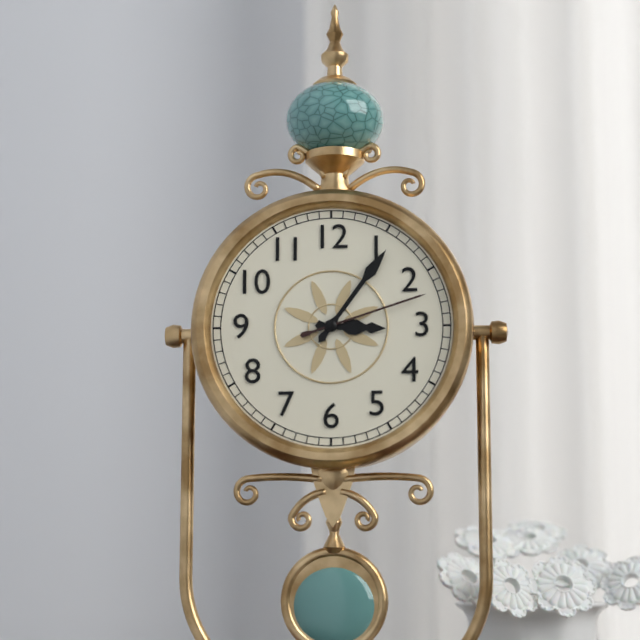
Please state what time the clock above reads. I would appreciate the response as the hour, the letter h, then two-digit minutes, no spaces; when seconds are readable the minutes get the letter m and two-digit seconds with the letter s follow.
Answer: 3h06m12s
